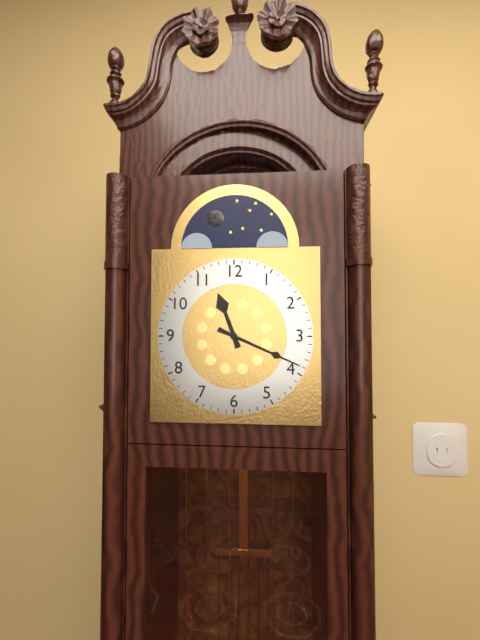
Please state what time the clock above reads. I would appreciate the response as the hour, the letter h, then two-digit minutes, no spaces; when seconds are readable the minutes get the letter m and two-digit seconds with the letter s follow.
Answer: 11h19
